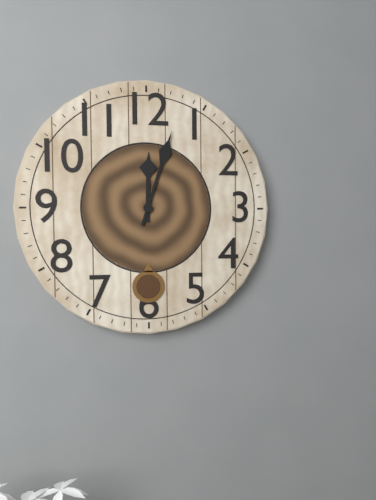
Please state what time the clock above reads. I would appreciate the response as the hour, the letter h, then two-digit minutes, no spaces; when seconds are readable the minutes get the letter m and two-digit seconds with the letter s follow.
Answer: 12h03
